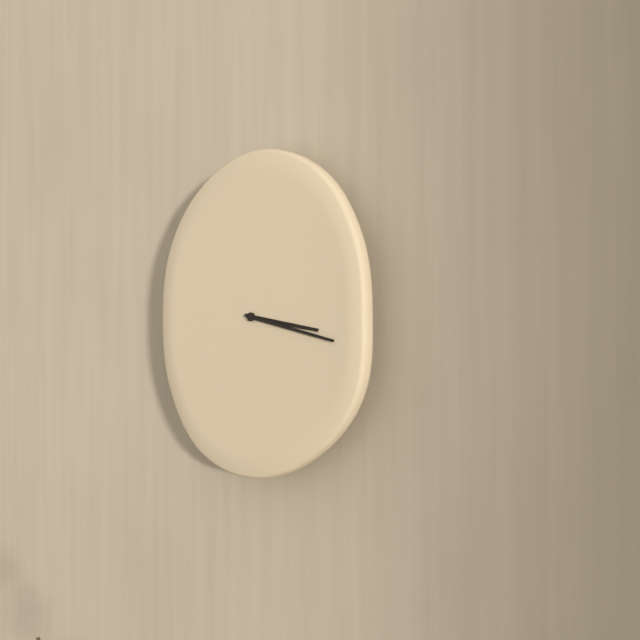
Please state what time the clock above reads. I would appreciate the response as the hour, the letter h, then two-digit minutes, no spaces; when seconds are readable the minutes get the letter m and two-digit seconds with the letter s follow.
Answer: 3h17
